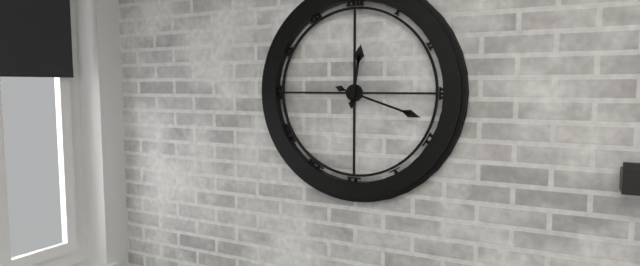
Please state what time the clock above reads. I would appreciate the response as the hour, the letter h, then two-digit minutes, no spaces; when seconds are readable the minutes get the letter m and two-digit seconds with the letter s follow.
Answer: 12h18
